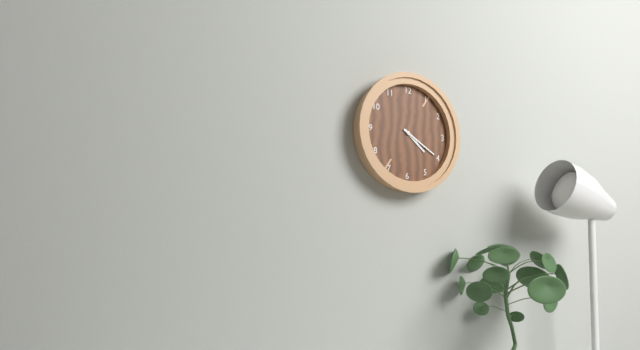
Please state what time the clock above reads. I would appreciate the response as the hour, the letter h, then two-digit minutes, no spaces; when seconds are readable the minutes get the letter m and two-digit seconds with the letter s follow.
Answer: 4h20
